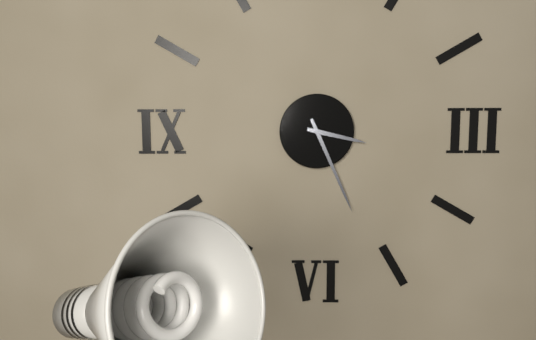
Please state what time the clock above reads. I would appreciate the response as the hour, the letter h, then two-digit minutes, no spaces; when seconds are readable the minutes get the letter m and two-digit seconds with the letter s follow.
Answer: 3h26
